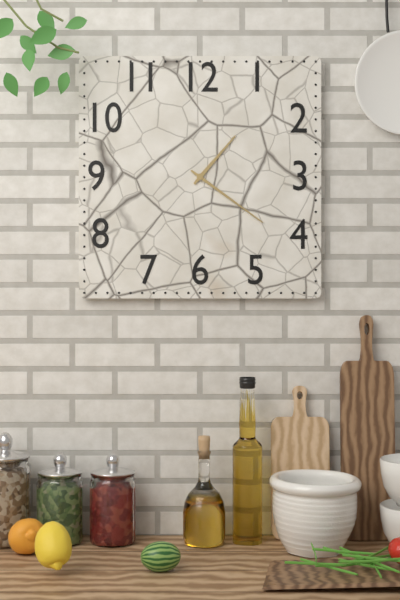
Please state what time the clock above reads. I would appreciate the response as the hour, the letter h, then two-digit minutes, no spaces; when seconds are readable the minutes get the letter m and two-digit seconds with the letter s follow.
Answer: 1h21
